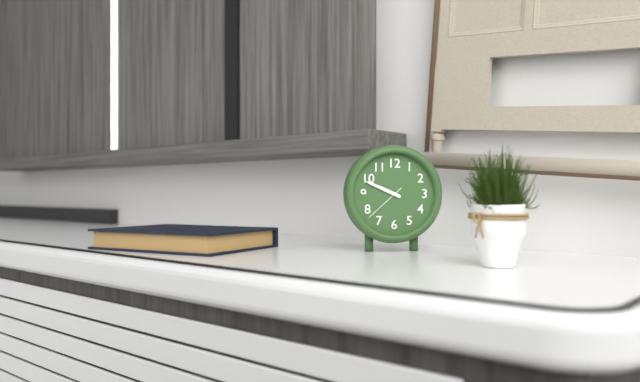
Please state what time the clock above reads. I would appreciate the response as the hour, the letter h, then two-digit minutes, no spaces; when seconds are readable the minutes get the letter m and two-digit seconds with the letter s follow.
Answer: 9h49
